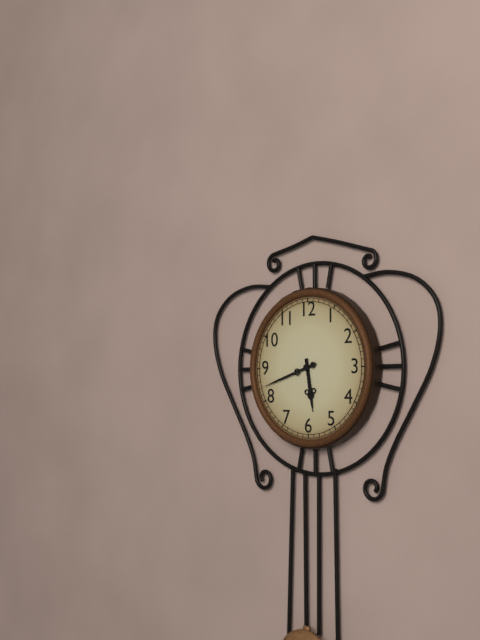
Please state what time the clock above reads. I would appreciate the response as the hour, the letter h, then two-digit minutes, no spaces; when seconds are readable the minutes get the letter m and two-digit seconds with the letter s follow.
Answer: 5h42
